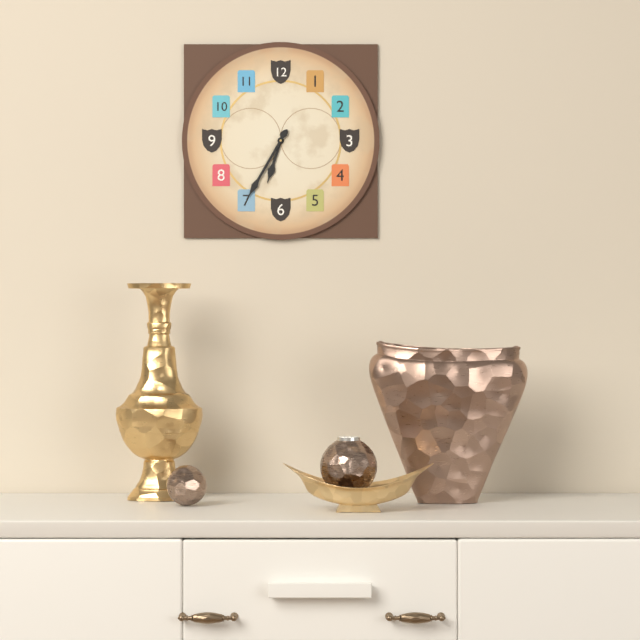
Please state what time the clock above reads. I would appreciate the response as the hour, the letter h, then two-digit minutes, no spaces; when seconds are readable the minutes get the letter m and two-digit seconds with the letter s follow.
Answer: 6h35
